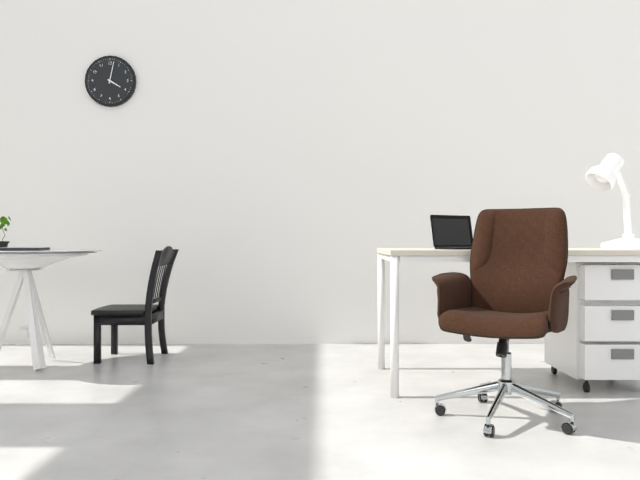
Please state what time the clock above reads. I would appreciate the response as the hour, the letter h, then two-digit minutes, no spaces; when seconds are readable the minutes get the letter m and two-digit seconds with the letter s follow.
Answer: 4h02
